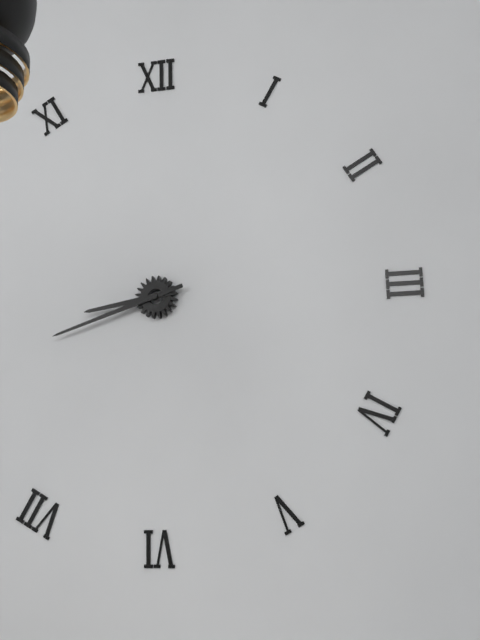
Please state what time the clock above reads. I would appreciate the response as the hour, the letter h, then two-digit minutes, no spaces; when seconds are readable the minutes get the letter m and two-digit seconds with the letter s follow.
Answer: 8h42
